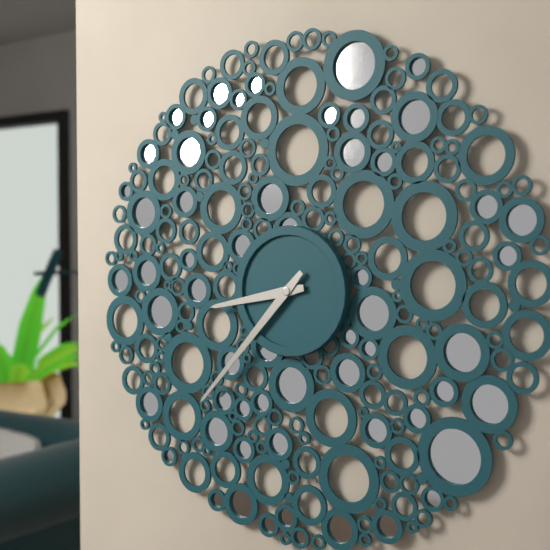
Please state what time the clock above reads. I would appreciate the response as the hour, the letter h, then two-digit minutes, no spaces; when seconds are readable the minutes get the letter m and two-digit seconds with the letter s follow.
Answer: 8h37
